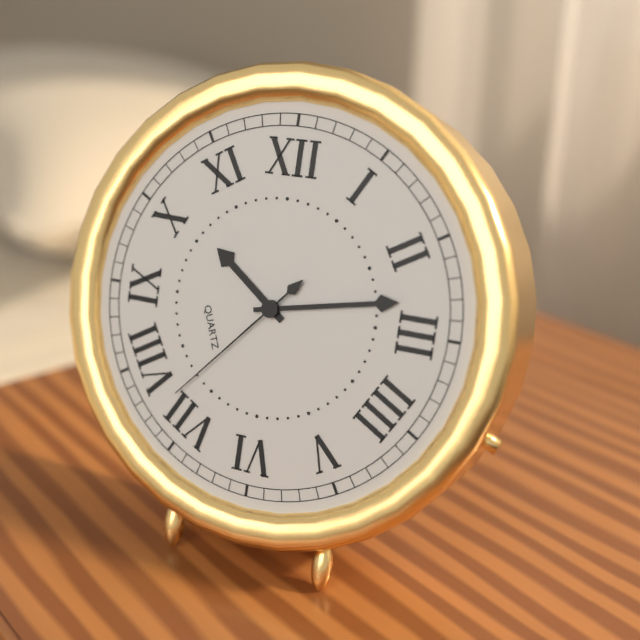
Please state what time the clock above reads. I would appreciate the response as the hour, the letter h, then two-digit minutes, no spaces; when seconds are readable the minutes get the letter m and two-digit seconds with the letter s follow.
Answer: 10h13m37s
